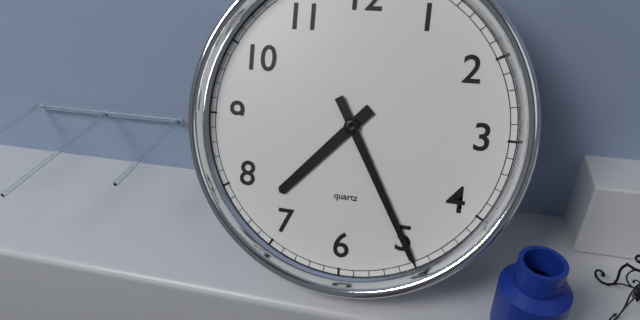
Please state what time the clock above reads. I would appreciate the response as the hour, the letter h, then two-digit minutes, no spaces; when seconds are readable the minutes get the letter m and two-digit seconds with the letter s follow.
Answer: 7h25
